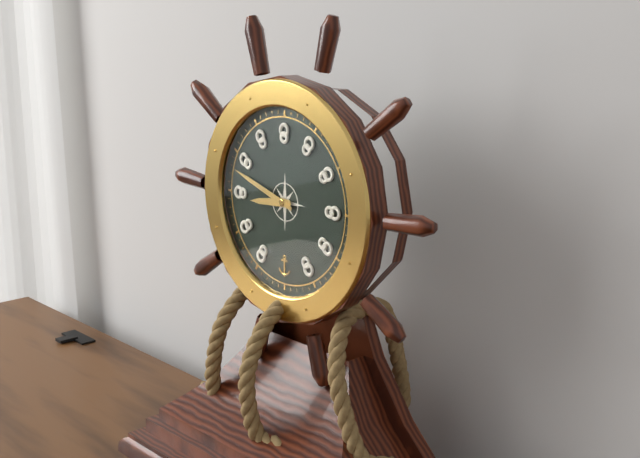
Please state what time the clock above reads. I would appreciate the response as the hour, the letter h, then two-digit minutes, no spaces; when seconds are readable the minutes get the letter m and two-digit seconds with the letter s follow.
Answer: 8h48
